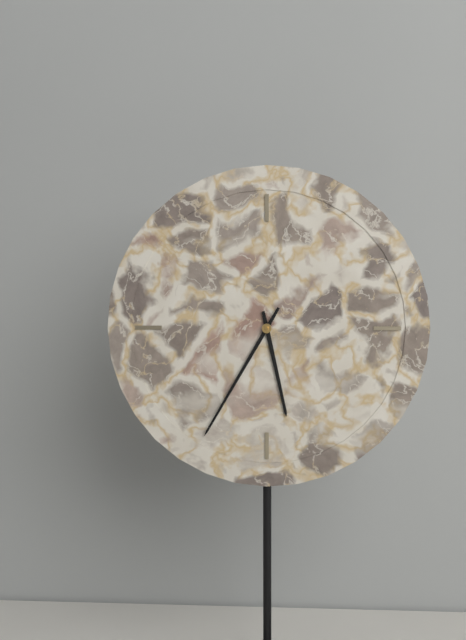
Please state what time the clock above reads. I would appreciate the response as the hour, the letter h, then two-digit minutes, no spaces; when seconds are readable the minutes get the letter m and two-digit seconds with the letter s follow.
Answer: 5h35
